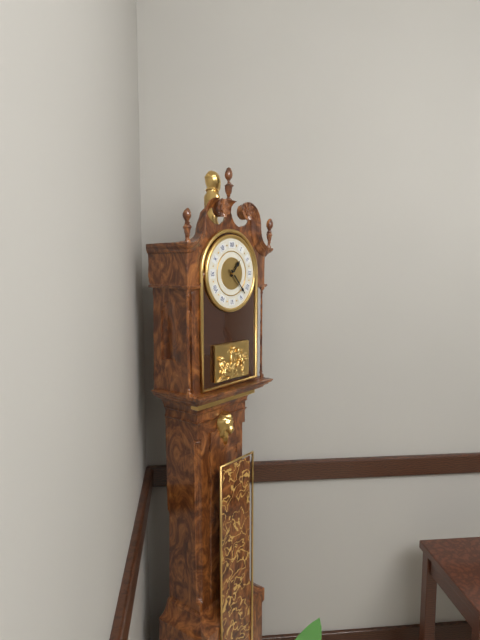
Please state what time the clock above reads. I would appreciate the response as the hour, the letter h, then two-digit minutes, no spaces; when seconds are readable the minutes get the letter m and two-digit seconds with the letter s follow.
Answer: 1h23
